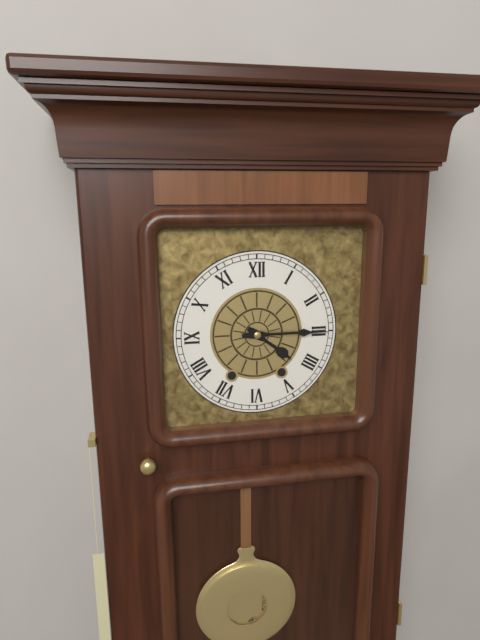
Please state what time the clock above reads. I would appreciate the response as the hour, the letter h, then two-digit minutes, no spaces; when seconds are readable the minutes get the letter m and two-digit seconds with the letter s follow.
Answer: 4h15
